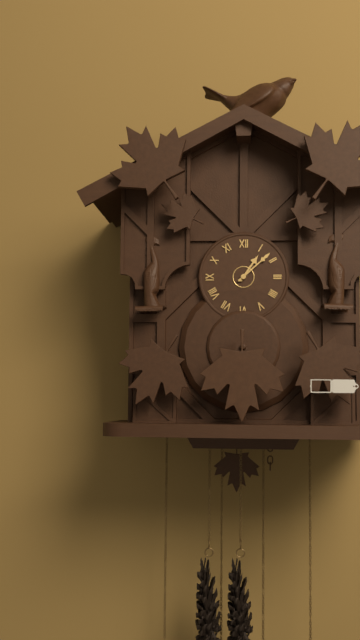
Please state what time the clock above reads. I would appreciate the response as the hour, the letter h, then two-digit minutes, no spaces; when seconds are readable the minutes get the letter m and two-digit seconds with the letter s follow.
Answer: 1h08
